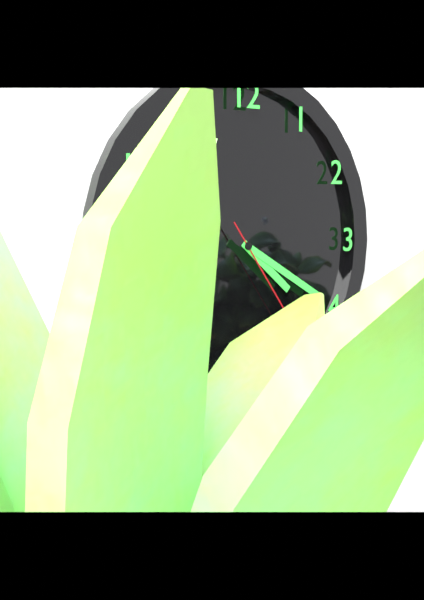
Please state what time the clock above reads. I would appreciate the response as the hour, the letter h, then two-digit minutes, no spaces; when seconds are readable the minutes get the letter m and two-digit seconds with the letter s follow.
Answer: 4h20
